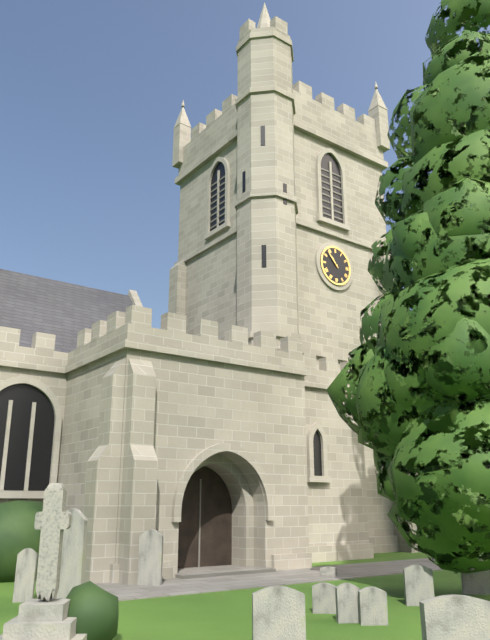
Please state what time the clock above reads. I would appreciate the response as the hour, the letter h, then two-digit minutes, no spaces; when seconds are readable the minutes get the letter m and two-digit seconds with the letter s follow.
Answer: 10h53
